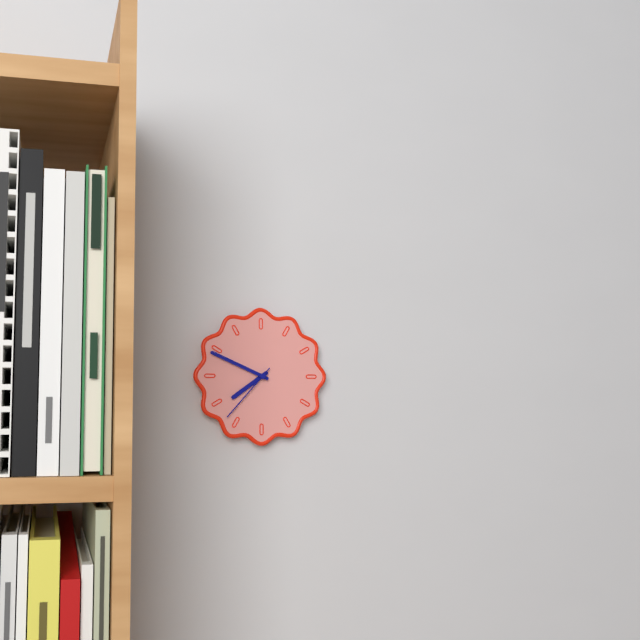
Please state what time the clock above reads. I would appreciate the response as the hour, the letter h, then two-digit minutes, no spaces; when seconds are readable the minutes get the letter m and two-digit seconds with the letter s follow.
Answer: 7h49m37s
